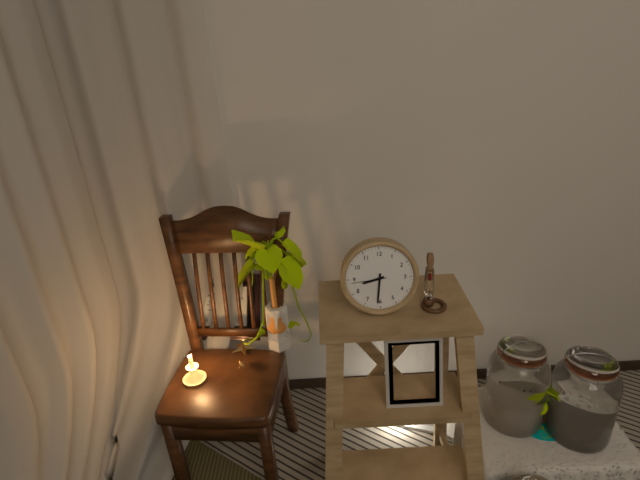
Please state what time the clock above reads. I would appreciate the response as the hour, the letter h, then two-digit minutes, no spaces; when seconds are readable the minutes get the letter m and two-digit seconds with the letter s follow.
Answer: 8h31
